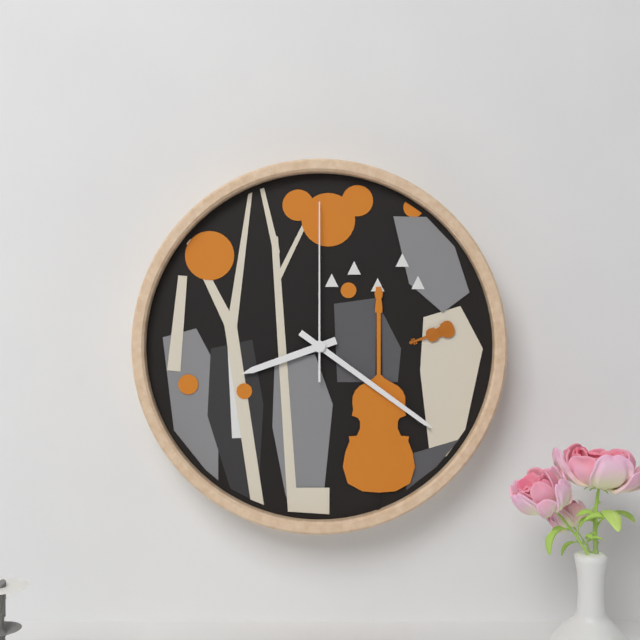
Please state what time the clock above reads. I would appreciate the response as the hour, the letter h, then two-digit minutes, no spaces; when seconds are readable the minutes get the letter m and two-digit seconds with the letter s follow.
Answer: 8h21m00s
